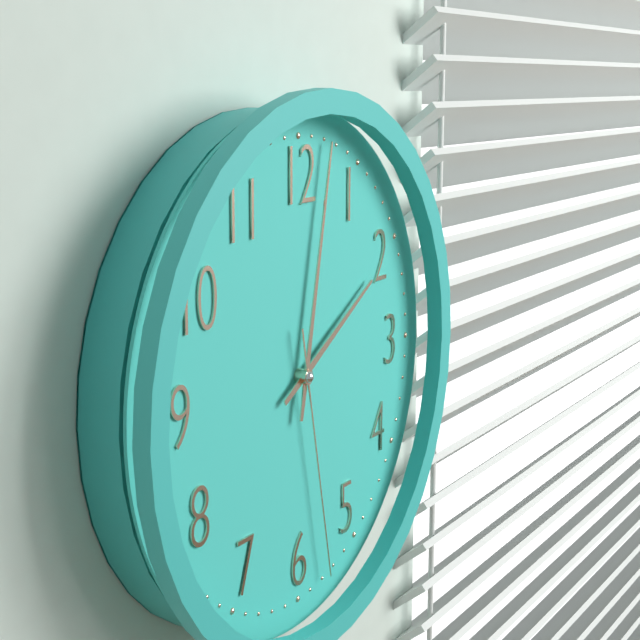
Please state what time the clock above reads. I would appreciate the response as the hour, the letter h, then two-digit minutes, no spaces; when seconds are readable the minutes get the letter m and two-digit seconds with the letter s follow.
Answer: 2h02m28s
